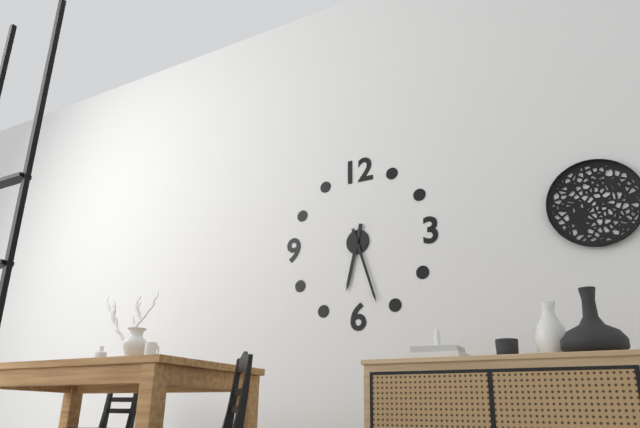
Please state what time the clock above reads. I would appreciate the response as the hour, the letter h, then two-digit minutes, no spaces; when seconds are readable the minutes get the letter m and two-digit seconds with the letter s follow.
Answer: 6h27
